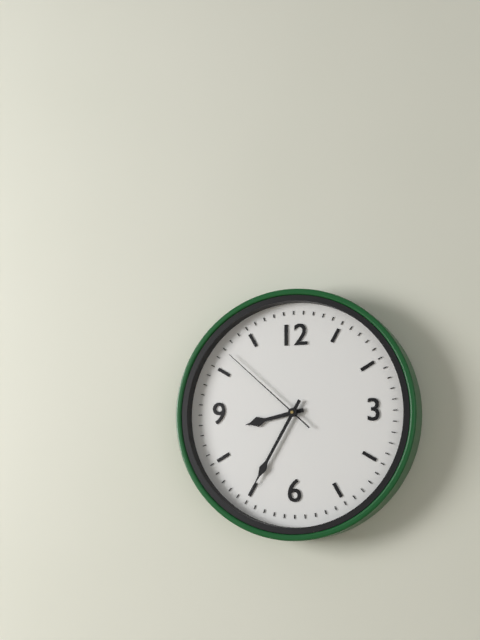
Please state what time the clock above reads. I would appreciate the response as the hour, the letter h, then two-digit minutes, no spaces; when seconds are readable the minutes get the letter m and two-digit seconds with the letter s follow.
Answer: 8h35m52s
